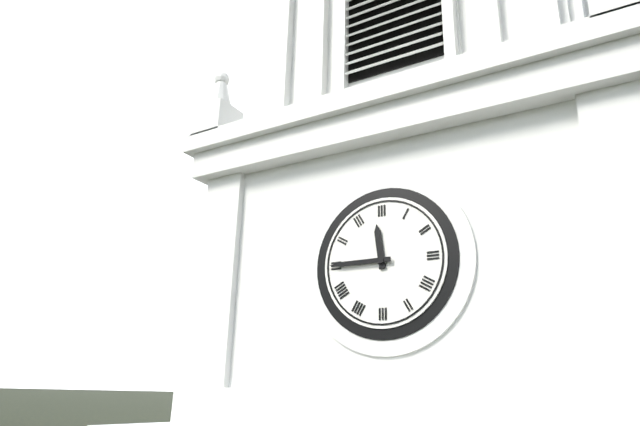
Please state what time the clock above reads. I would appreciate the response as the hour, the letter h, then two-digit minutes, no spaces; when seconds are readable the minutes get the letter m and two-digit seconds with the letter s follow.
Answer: 11h45
